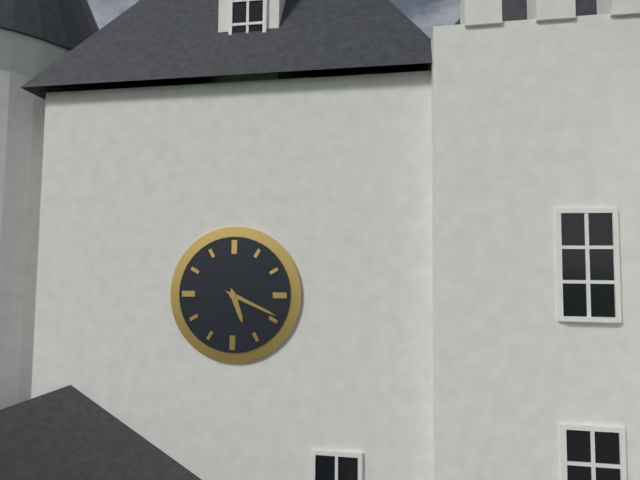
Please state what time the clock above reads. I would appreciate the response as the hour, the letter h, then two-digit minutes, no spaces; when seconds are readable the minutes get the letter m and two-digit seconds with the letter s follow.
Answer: 5h19
